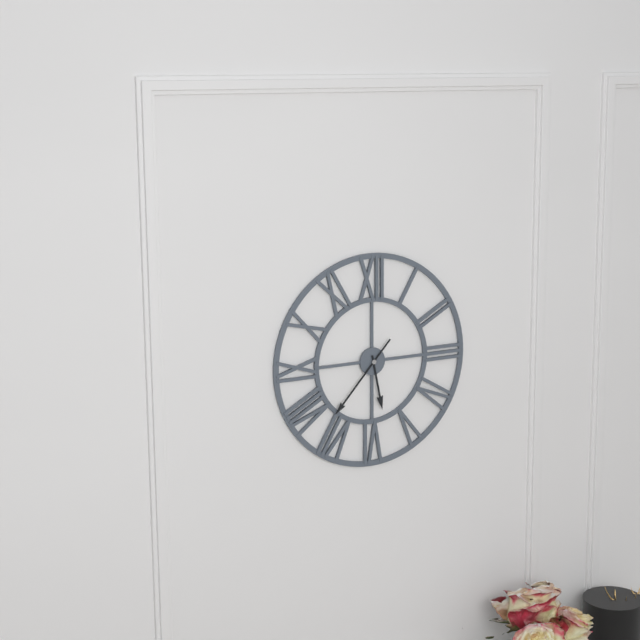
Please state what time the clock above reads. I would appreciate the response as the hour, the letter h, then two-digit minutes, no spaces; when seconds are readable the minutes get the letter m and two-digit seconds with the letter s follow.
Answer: 5h37
